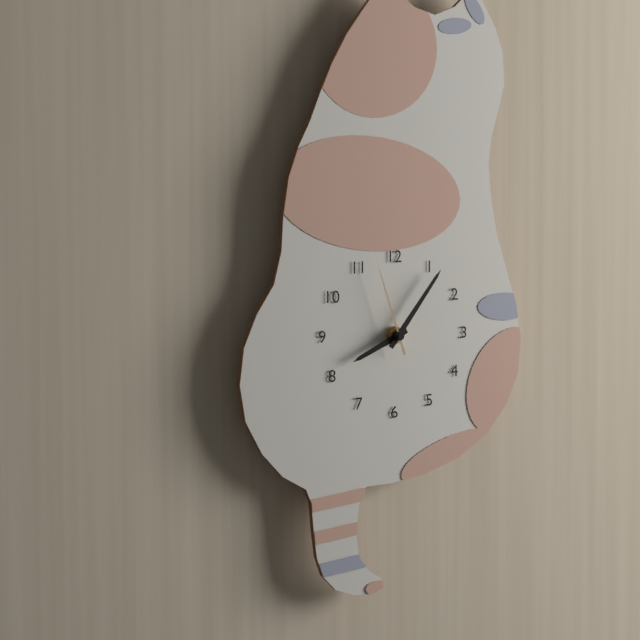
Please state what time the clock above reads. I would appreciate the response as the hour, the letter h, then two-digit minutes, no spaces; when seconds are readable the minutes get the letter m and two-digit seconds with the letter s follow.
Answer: 8h06m57s
